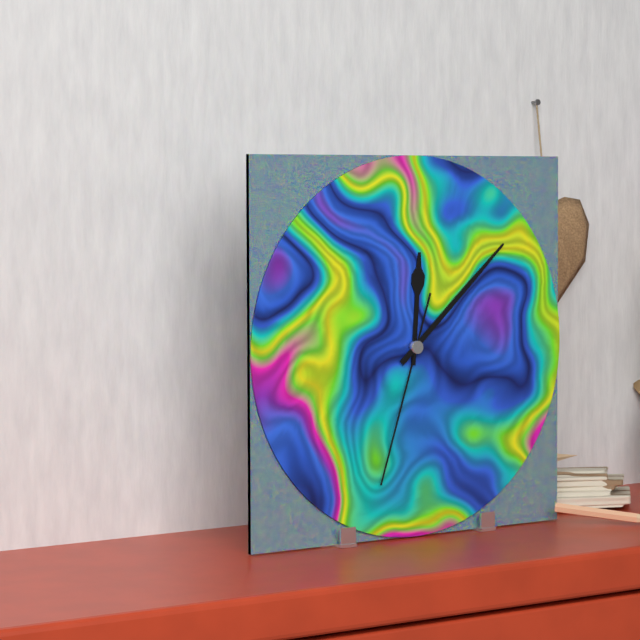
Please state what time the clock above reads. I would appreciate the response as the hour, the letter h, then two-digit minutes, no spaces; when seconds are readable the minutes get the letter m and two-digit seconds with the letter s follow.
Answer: 12h08m33s
